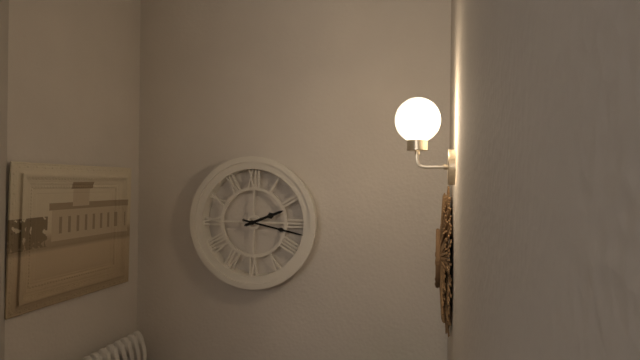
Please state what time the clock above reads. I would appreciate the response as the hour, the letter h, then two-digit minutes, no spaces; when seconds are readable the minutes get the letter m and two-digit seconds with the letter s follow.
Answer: 2h17
